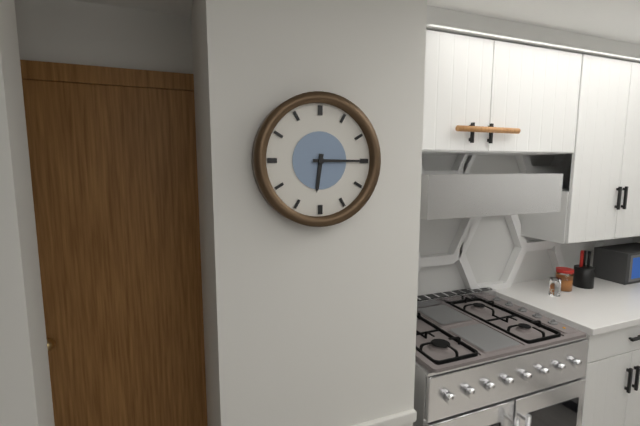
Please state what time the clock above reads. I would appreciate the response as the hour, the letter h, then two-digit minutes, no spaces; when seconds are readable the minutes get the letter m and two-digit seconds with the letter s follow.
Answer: 6h15
